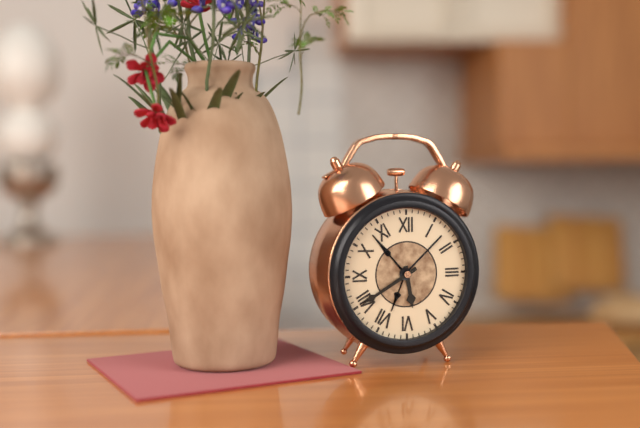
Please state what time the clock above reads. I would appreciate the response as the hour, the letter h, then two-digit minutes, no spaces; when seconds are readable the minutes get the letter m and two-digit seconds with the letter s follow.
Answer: 5h40
